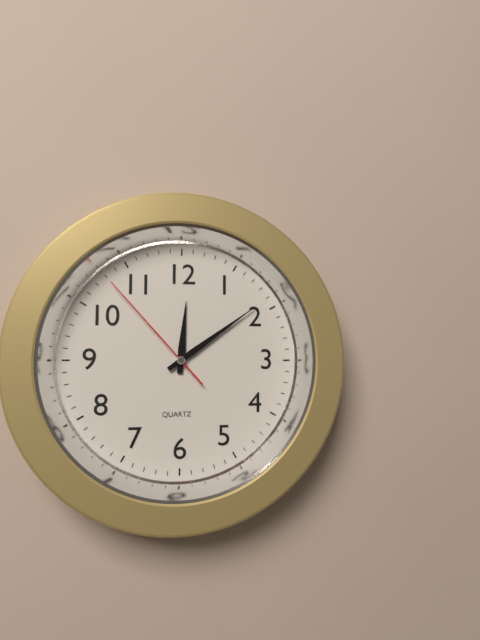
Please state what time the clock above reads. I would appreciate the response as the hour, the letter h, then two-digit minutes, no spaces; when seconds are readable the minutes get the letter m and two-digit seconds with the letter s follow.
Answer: 12h09m53s
